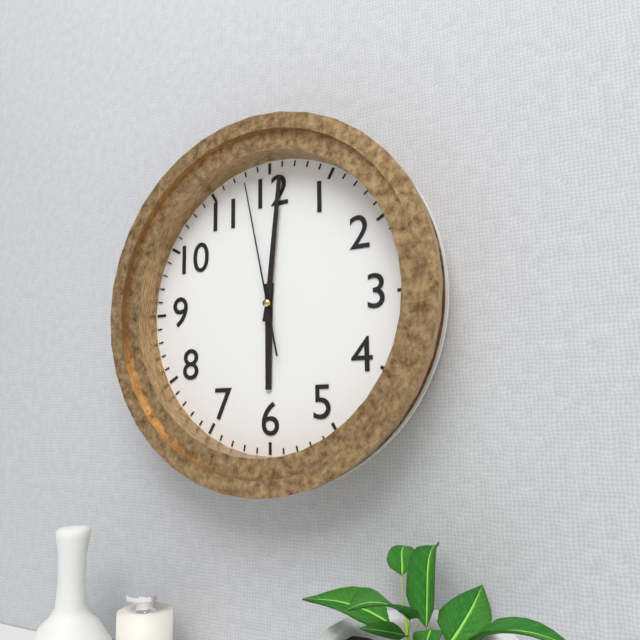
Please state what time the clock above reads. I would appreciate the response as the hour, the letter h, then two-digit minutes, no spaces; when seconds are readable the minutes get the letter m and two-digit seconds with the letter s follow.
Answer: 6h01m58s
